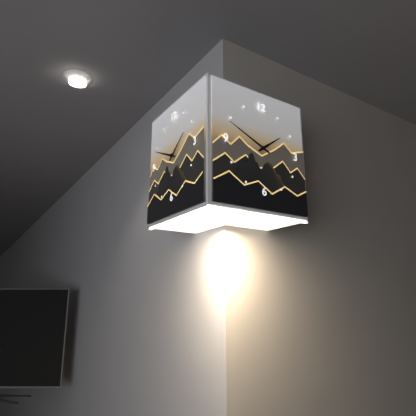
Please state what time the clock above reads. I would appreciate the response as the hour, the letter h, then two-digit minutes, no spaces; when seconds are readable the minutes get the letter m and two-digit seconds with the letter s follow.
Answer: 1h49
